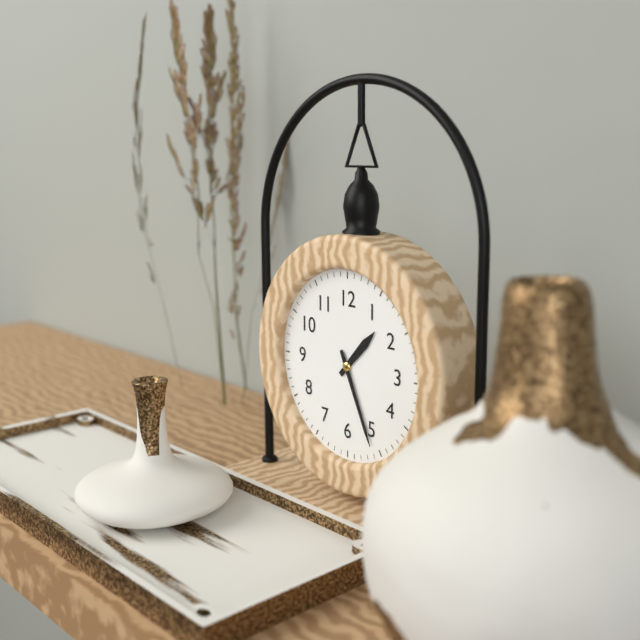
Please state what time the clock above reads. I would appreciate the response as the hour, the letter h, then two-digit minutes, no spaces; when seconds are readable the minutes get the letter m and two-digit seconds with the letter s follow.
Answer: 1h26
